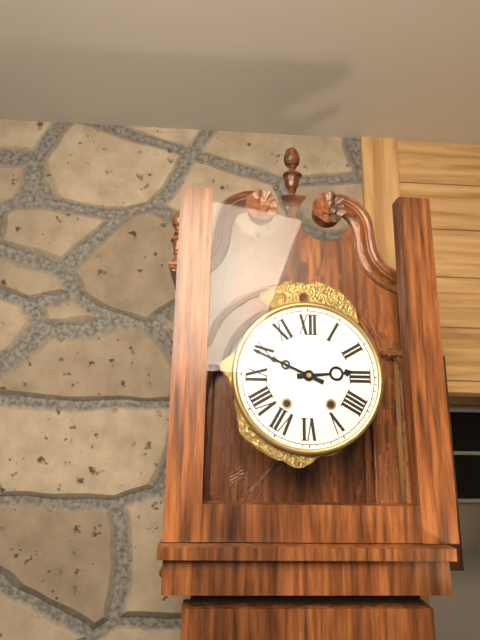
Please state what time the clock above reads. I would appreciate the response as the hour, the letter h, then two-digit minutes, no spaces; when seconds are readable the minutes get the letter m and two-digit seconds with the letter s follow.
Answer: 2h49
